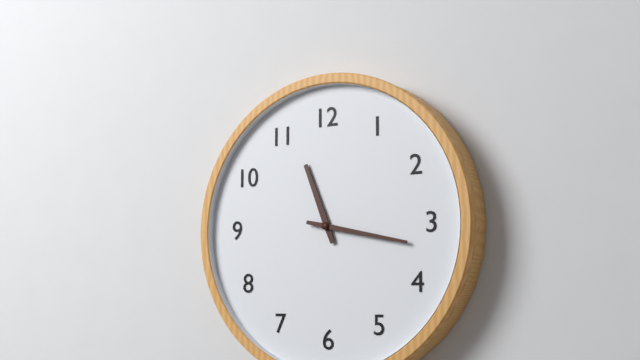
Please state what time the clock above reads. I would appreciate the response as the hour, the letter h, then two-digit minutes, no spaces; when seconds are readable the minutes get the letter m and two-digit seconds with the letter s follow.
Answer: 11h17
